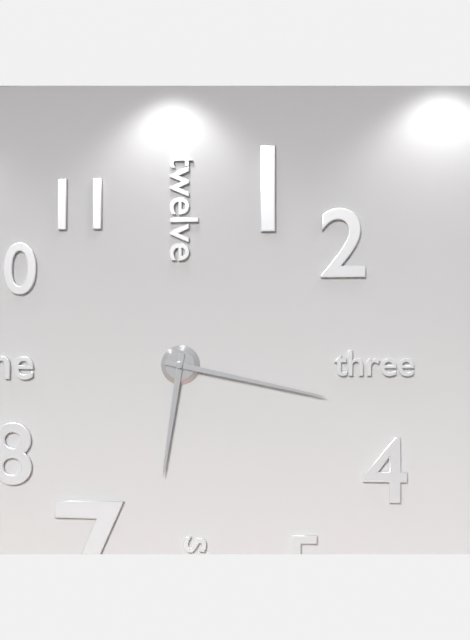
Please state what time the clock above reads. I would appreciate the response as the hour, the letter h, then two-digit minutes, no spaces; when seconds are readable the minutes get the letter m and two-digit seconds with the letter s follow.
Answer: 6h17
